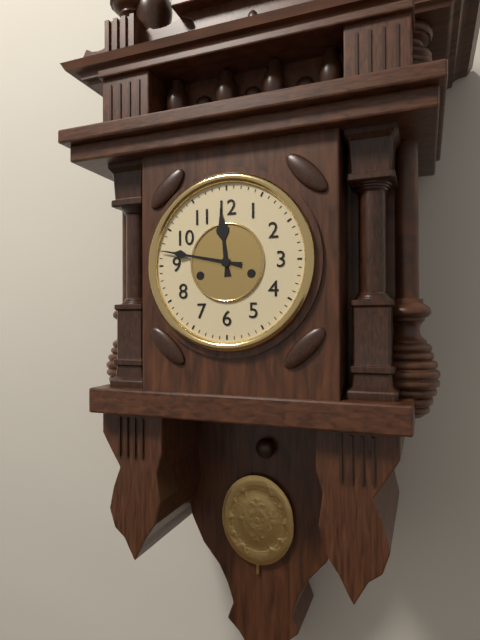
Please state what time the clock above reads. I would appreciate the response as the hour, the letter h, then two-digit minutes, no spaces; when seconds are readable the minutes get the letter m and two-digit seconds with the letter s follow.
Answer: 11h47
